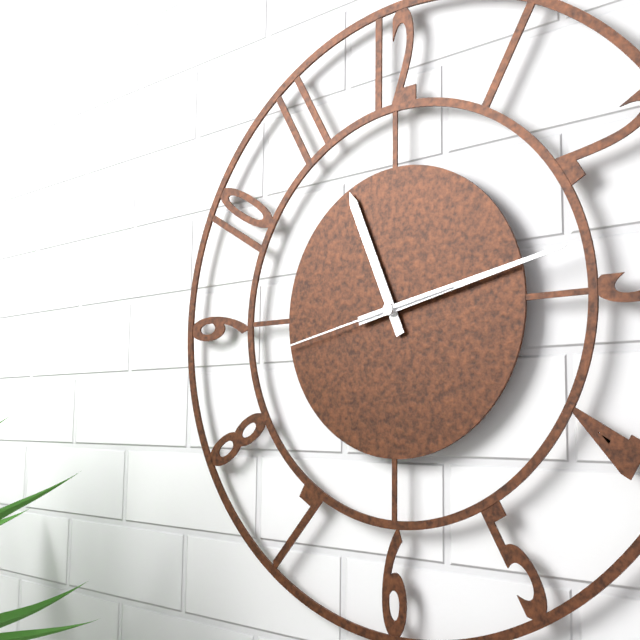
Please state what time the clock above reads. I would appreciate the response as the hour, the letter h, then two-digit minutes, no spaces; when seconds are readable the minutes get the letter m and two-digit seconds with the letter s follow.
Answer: 11h13m43s
